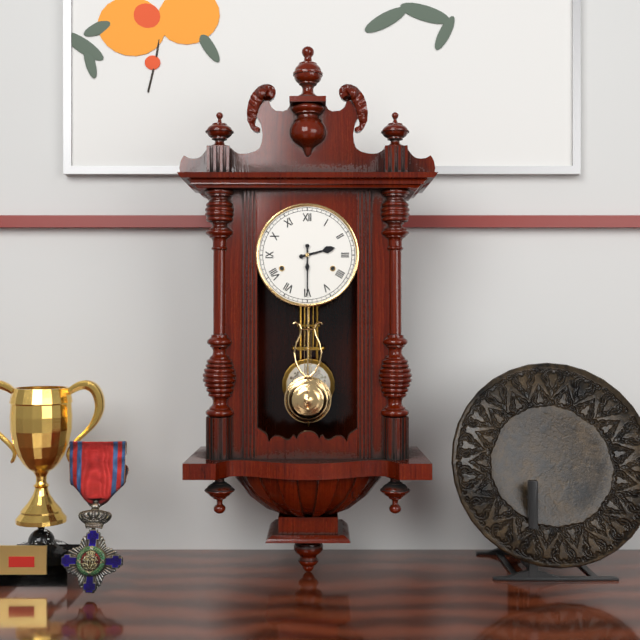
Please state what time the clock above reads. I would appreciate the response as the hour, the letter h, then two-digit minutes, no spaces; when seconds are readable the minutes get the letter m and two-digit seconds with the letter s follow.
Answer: 2h30
